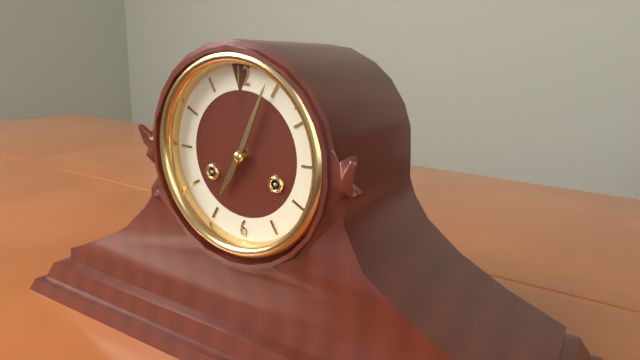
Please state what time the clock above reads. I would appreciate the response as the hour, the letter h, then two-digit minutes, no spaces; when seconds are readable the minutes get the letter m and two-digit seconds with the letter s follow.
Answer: 7h04
